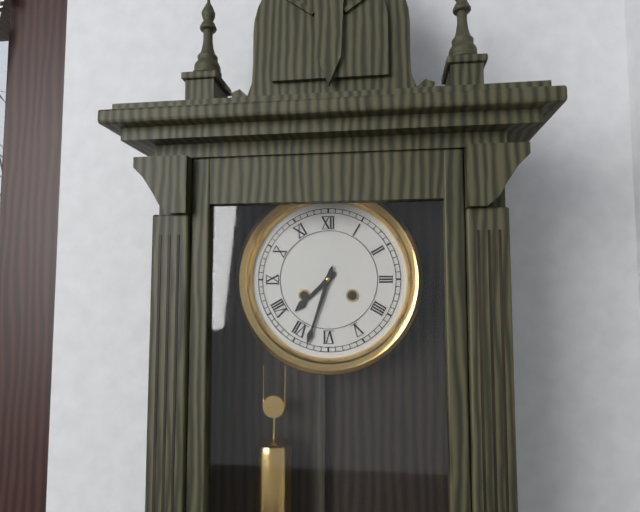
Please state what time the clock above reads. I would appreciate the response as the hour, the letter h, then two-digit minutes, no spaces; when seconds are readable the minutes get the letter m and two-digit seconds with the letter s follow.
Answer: 7h33
